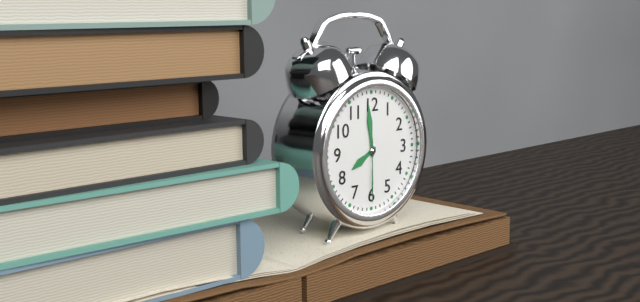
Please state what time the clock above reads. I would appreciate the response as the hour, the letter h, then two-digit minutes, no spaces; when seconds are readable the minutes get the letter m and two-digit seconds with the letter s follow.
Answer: 7h59m30s
